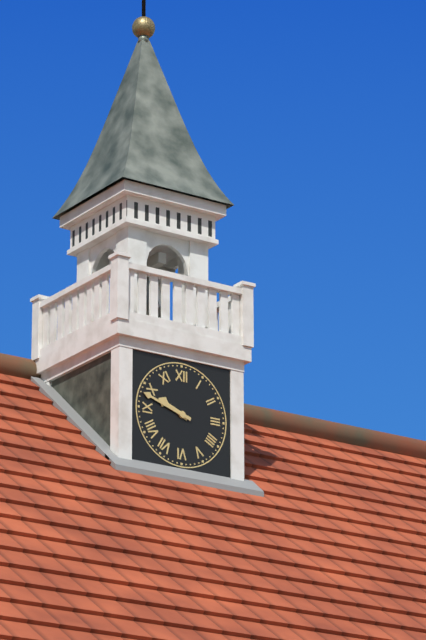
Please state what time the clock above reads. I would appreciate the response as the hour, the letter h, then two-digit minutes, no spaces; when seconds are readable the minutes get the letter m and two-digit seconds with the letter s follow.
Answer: 9h48
